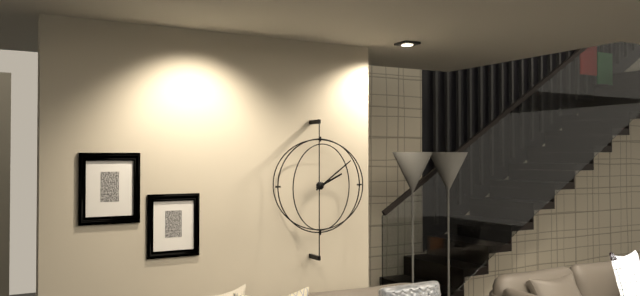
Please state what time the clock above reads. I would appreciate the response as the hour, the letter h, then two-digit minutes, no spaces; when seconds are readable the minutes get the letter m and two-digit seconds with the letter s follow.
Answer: 2h09
